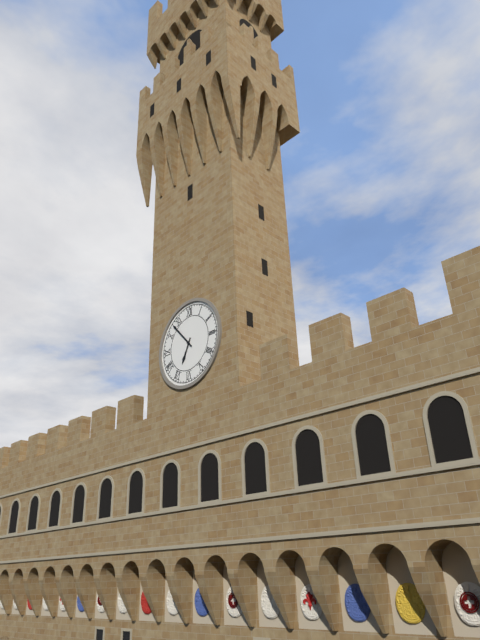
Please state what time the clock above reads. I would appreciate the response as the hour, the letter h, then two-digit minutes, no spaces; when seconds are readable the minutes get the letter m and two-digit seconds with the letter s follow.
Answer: 6h53
